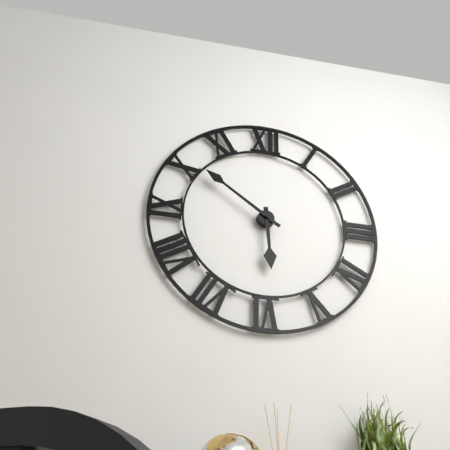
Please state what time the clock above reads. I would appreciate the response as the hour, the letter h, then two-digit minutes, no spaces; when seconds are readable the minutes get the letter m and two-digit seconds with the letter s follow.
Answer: 5h51
